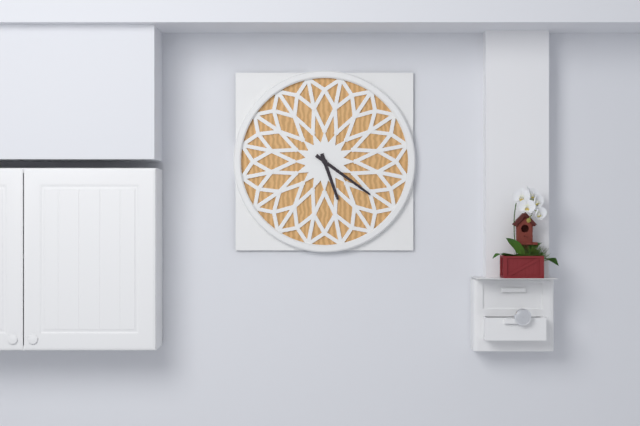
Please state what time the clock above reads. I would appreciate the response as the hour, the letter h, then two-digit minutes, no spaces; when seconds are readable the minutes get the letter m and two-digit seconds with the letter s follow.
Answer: 5h21
